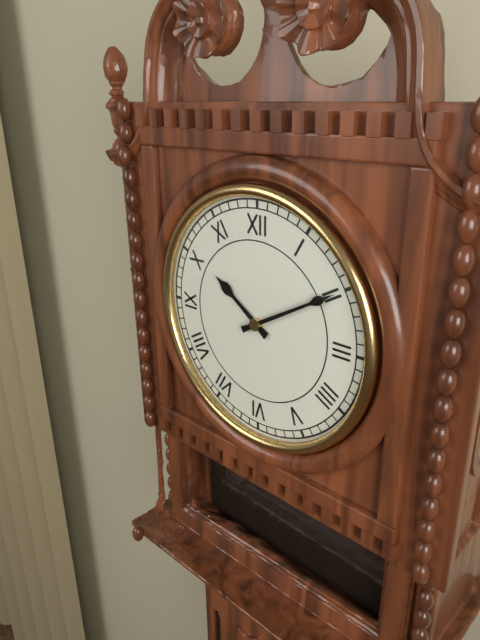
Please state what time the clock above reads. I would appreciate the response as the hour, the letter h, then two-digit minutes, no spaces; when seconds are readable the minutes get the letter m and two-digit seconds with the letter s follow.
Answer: 10h10
